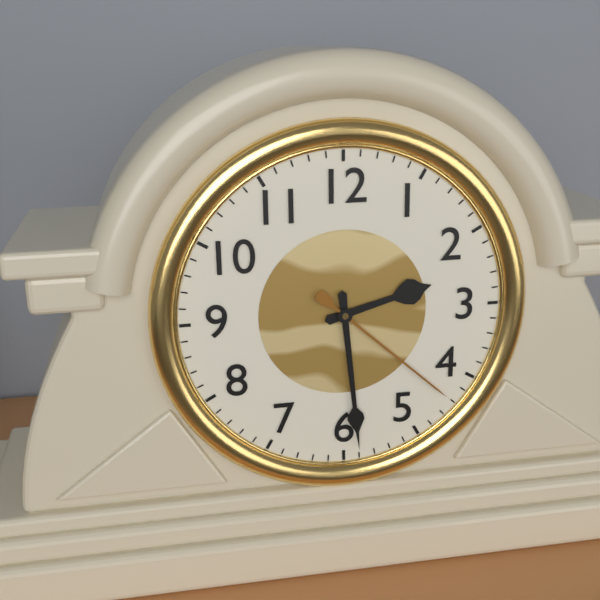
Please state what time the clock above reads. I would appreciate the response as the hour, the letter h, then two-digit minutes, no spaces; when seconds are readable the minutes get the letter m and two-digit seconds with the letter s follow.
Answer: 2h29m22s
